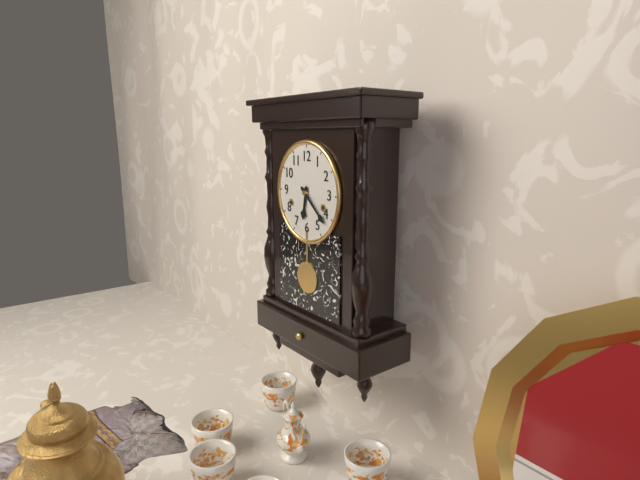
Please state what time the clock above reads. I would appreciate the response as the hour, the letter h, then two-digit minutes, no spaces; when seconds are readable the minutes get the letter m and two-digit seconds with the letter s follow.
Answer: 6h22
